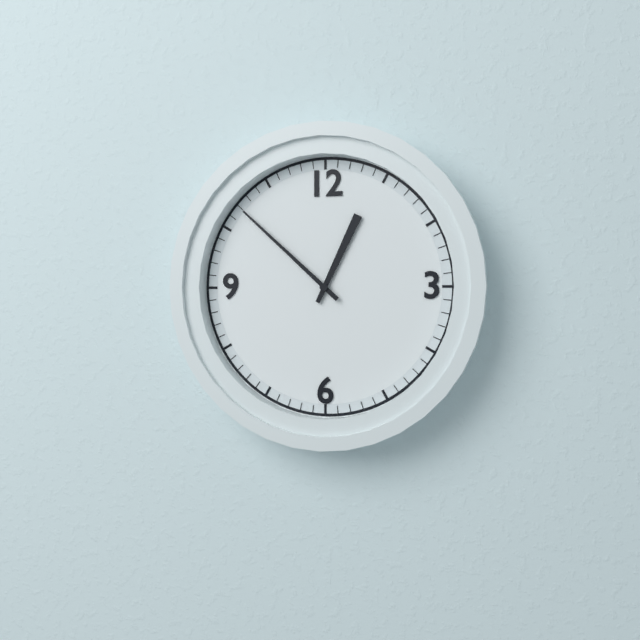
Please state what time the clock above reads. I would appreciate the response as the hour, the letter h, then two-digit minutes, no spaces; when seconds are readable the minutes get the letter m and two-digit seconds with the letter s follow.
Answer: 12h52
